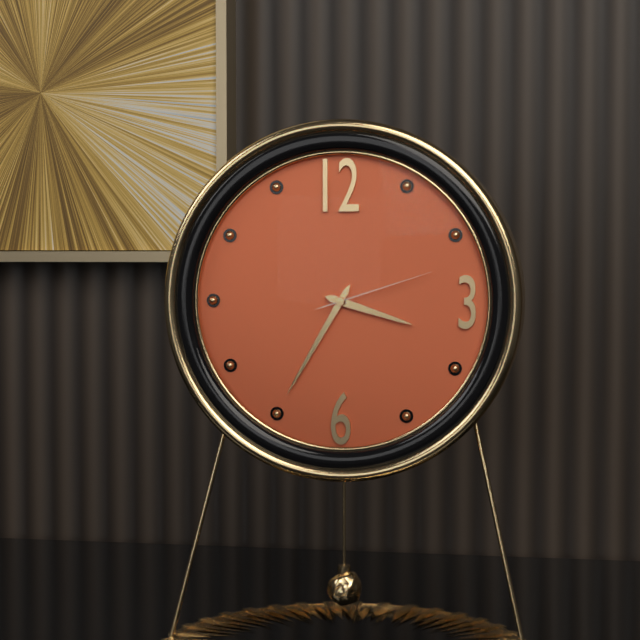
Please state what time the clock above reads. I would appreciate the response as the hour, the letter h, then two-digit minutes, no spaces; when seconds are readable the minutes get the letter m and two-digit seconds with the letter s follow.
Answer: 3h35m12s
